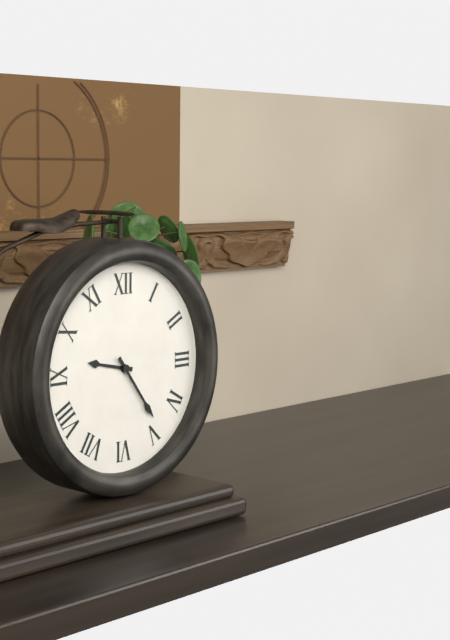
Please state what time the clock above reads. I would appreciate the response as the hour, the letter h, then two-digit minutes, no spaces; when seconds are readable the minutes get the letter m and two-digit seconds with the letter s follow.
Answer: 9h24
